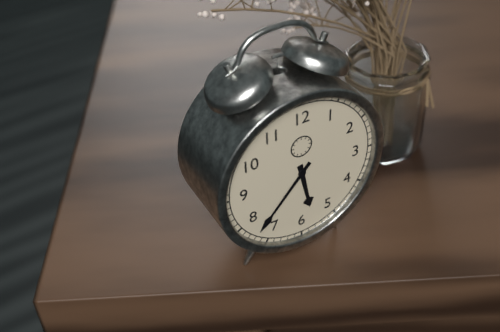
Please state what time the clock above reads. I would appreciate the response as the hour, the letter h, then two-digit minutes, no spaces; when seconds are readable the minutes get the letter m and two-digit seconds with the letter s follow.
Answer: 5h37
